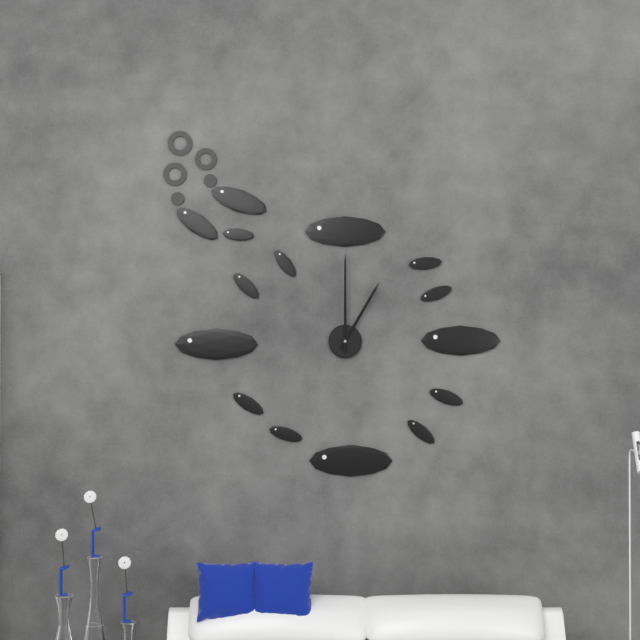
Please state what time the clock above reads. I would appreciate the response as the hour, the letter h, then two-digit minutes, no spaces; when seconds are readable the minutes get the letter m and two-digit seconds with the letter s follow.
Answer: 1h00
